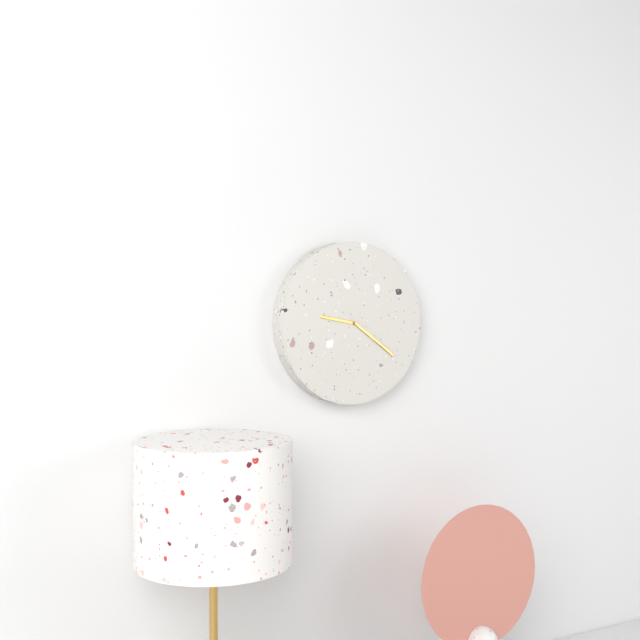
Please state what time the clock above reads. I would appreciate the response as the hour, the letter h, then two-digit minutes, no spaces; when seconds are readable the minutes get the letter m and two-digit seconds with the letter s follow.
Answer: 9h21
